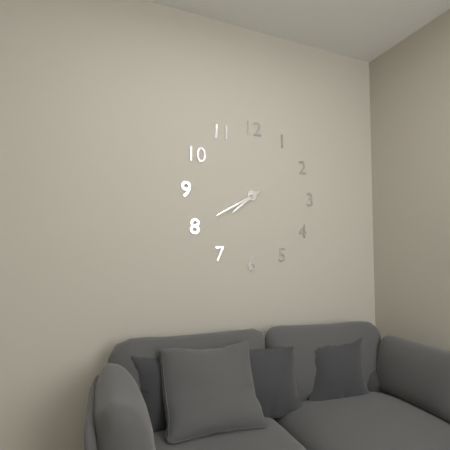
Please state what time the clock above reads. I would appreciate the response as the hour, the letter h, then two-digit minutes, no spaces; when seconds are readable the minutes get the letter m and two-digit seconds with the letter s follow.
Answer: 7h40
